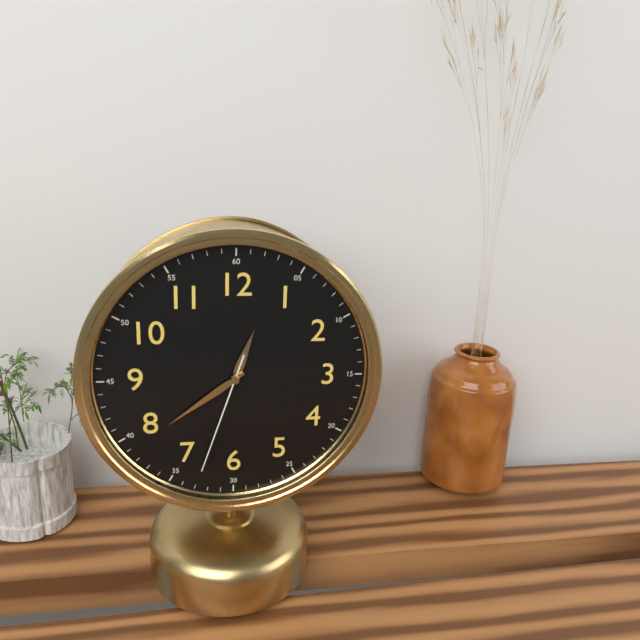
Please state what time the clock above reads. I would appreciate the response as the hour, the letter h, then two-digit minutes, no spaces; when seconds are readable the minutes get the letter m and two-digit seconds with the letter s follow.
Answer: 12h39m33s
